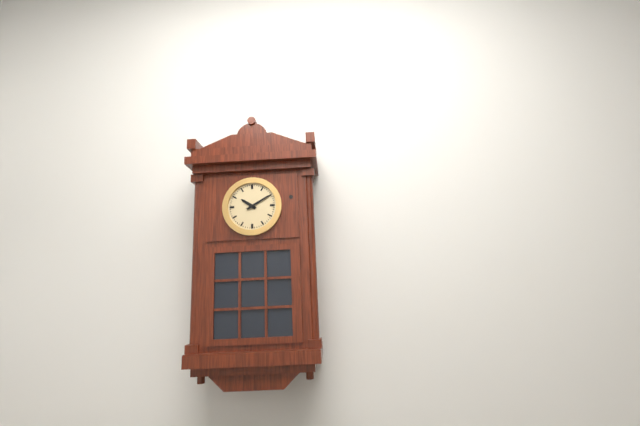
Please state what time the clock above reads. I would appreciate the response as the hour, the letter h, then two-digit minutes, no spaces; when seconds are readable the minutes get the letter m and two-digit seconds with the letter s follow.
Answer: 10h10
